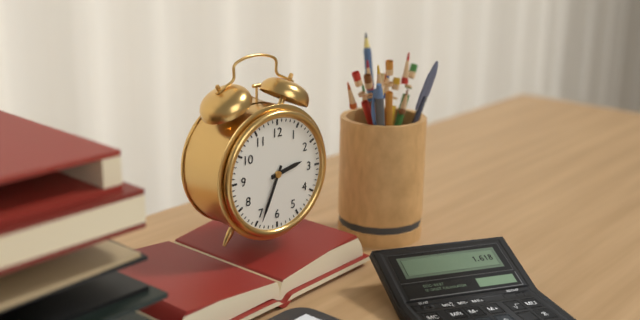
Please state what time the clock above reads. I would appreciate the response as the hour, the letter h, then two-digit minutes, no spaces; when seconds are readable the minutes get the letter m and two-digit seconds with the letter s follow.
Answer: 2h34
